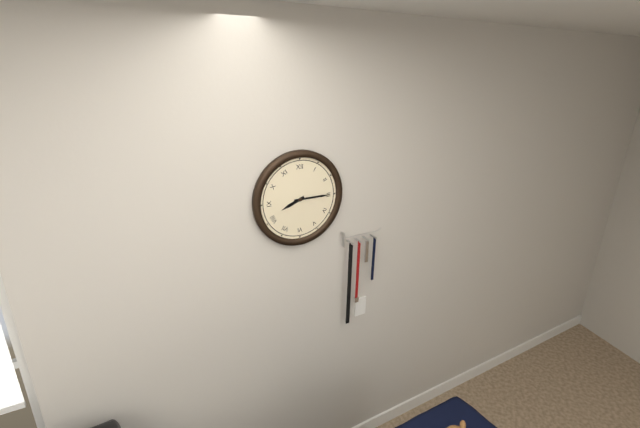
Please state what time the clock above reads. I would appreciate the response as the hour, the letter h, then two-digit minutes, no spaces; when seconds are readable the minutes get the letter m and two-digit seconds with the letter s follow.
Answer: 8h15
